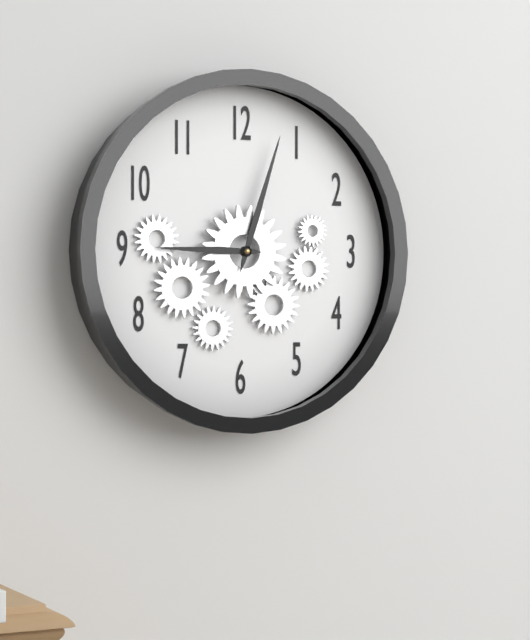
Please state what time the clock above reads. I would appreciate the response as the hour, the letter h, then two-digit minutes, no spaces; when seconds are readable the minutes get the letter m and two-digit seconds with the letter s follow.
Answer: 9h03
